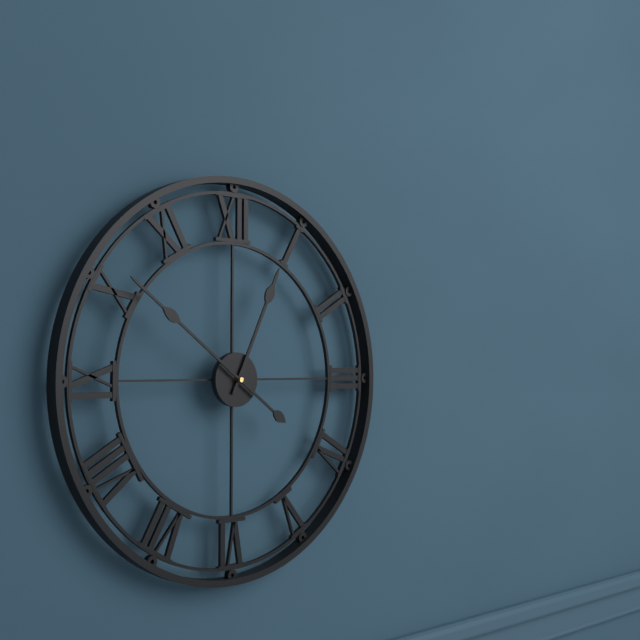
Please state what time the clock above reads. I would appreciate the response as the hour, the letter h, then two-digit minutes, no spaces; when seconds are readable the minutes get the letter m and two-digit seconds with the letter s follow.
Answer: 12h51
